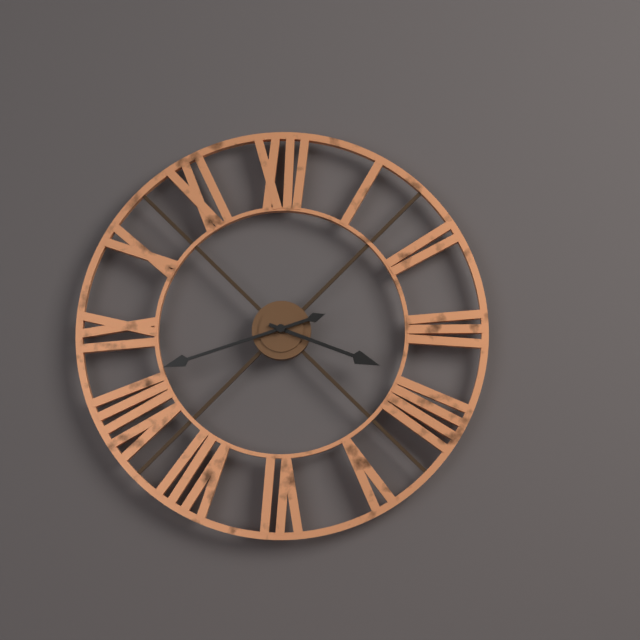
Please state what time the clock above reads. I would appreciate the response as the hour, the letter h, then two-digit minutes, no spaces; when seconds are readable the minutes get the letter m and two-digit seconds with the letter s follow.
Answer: 3h42
